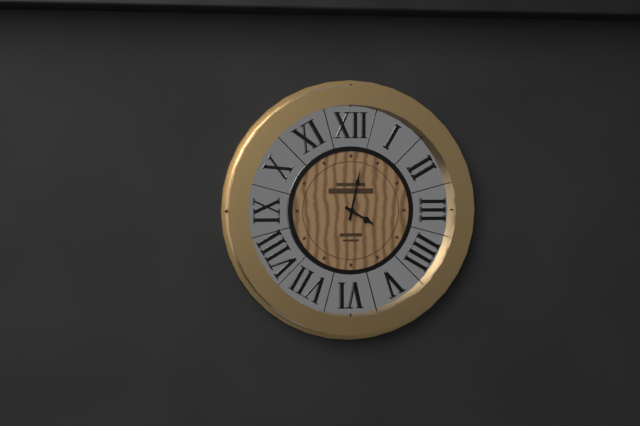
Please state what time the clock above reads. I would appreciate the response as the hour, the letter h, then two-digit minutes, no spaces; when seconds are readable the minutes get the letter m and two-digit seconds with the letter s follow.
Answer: 4h02
